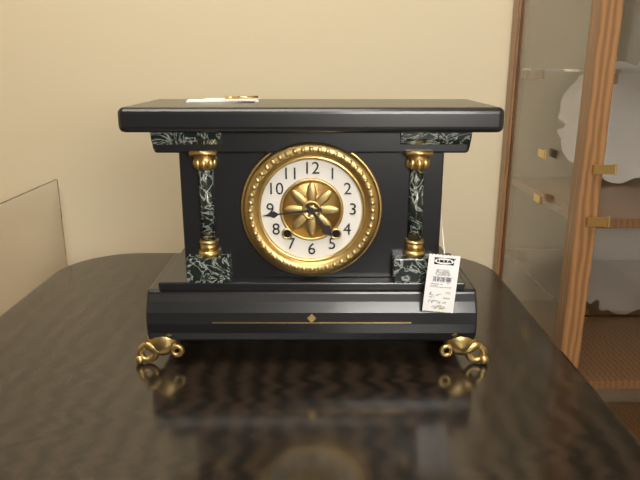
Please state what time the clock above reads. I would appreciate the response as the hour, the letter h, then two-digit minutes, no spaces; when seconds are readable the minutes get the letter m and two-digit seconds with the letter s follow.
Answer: 4h44
